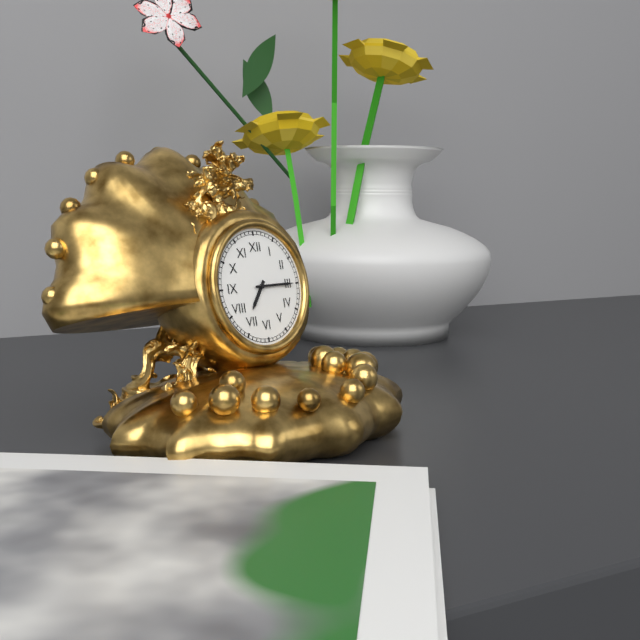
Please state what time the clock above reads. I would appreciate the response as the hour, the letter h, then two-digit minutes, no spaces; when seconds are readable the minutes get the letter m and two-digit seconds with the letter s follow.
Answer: 7h15
